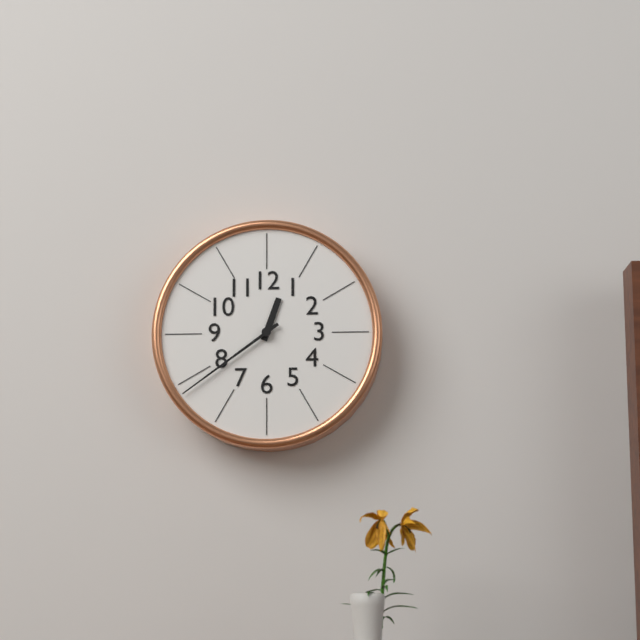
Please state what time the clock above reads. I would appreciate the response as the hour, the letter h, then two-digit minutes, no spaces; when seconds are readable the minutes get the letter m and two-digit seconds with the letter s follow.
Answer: 12h39
